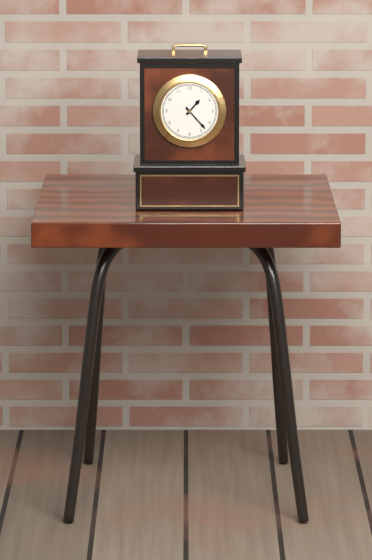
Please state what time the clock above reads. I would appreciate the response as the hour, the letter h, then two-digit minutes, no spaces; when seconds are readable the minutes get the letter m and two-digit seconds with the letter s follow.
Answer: 1h23
